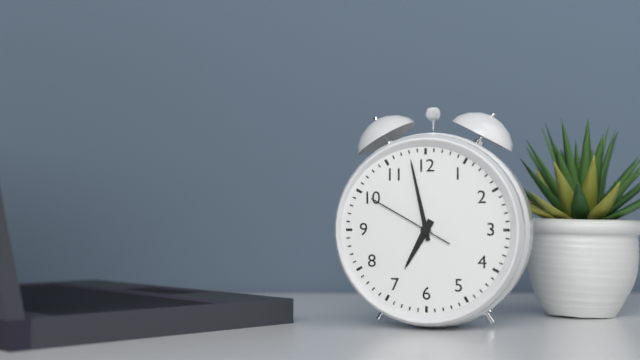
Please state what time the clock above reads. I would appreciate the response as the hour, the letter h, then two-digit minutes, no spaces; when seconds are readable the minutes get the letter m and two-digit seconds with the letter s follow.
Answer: 6h58m50s
